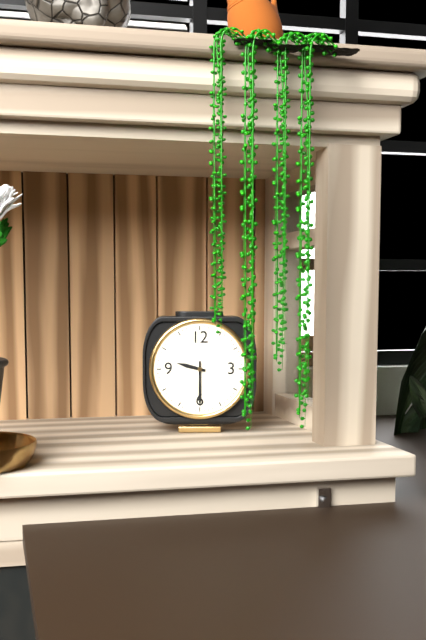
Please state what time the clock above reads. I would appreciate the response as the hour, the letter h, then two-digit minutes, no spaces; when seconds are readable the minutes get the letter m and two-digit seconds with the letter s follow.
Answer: 9h30
